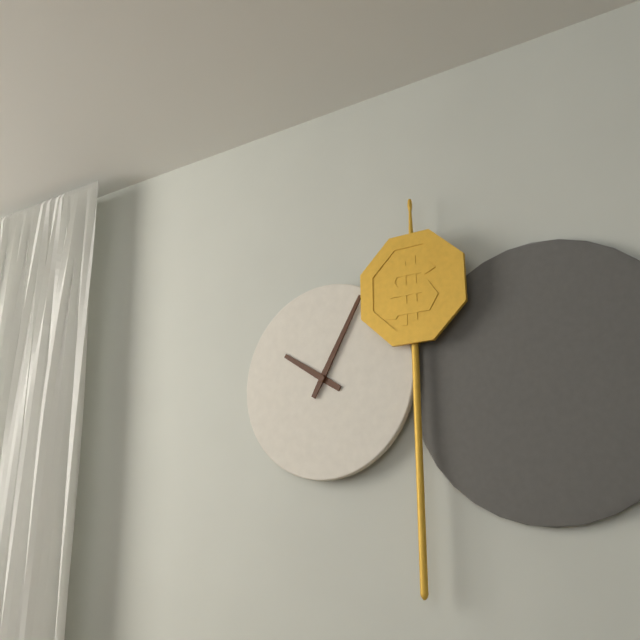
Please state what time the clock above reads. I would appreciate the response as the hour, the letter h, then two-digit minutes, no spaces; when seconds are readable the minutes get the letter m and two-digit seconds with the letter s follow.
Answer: 10h05
